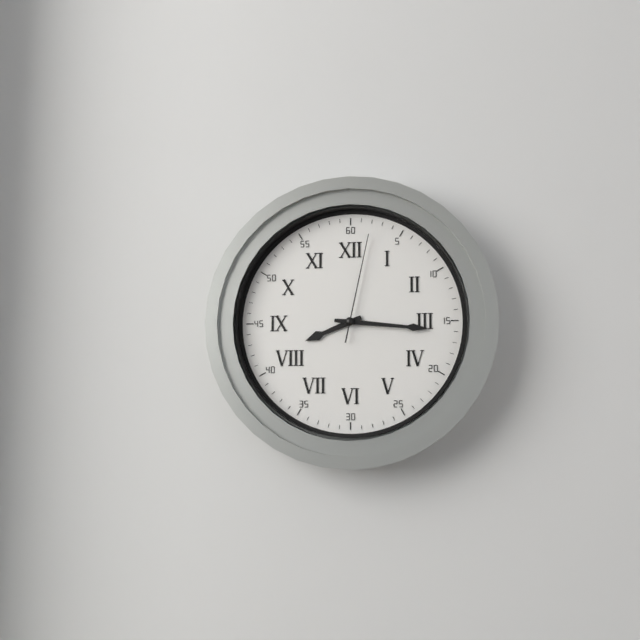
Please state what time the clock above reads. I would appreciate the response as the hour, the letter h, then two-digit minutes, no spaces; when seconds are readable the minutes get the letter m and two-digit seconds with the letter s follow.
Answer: 8h16m02s
